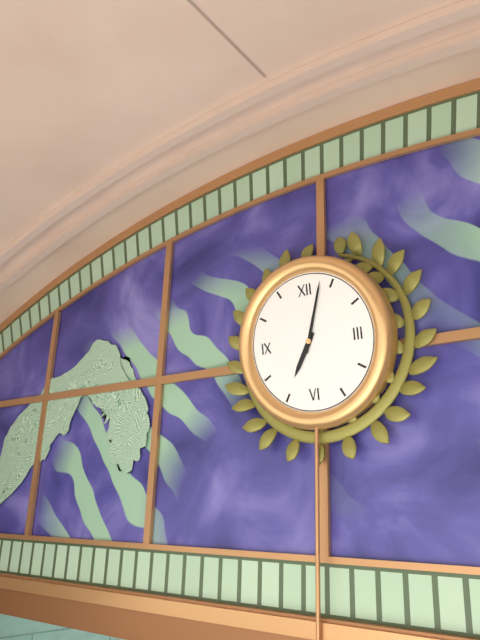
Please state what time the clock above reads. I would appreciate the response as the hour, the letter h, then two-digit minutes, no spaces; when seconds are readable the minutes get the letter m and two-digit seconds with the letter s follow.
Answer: 7h03
